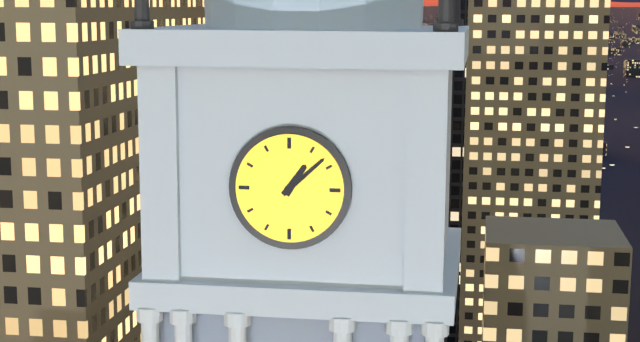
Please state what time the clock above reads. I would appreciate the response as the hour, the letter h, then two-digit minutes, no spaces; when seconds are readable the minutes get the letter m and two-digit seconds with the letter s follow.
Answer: 1h08
